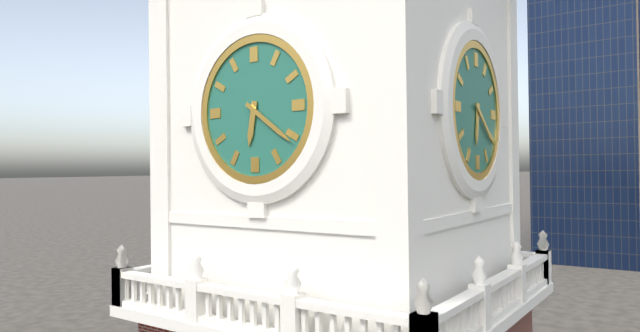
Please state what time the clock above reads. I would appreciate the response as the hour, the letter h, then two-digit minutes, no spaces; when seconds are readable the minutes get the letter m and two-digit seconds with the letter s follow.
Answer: 6h21
